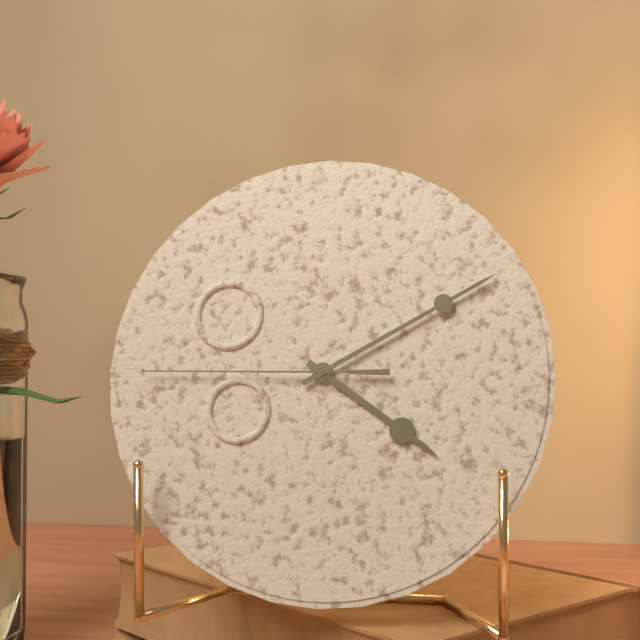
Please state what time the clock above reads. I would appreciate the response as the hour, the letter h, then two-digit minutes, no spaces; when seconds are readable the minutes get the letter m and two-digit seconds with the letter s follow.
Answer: 4h10m45s
